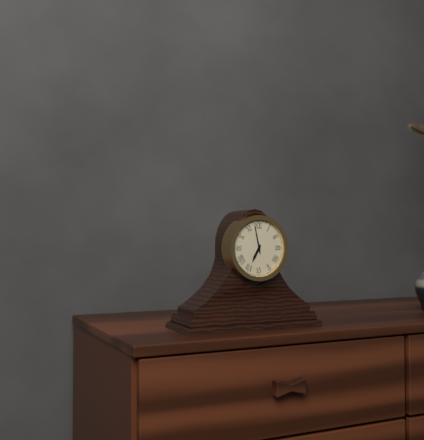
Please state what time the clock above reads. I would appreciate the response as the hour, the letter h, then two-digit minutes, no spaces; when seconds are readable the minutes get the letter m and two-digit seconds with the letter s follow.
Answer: 6h58
